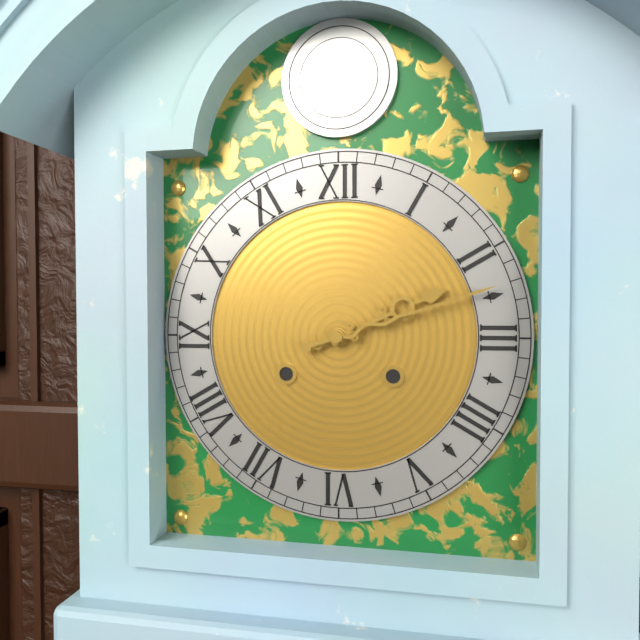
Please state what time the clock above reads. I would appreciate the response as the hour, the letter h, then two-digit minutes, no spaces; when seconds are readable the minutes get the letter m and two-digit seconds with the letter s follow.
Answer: 2h12
